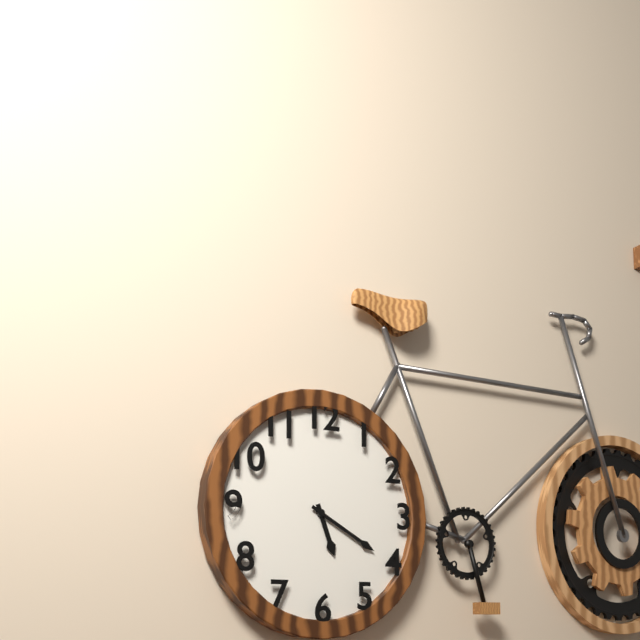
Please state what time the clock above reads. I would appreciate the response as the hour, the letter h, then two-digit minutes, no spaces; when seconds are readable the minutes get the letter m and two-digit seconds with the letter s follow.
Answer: 5h20
